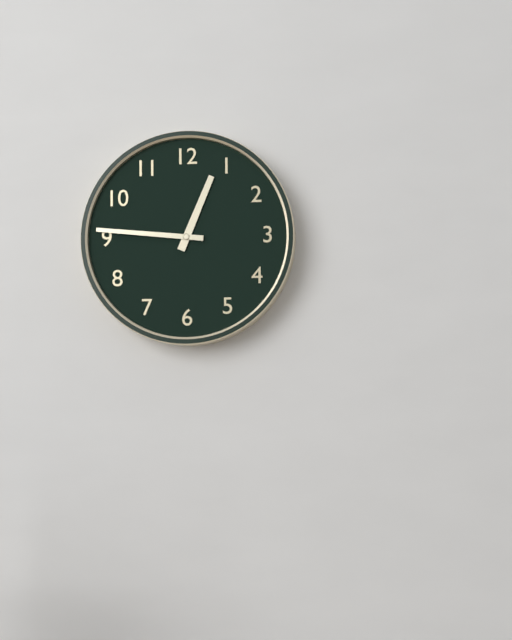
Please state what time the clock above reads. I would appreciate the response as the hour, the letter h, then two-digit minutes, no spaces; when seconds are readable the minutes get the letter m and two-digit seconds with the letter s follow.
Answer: 12h46
